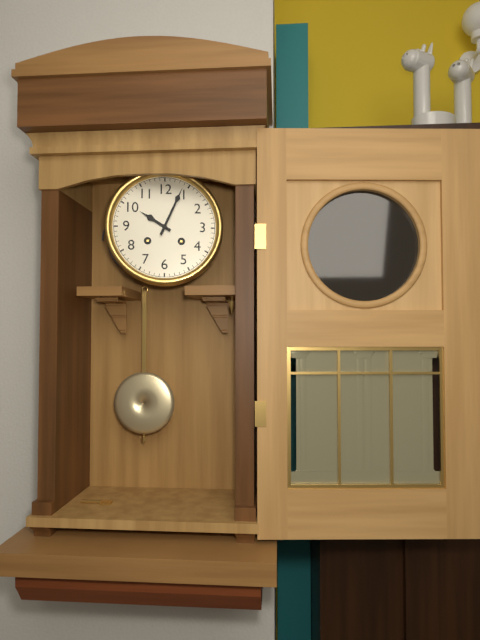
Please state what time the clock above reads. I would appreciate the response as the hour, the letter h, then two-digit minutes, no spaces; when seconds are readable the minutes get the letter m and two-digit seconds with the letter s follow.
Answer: 10h04
